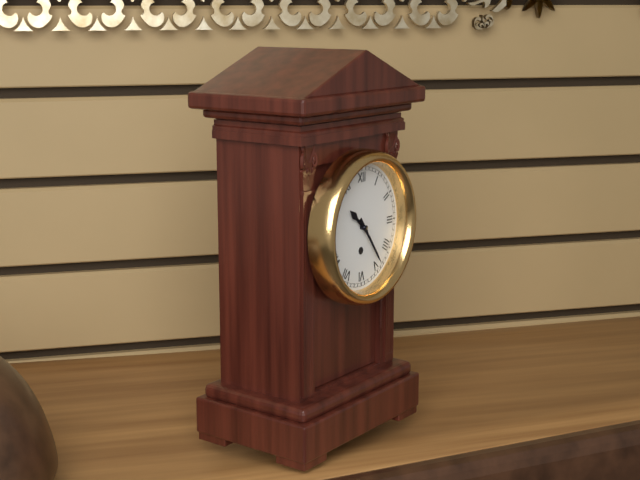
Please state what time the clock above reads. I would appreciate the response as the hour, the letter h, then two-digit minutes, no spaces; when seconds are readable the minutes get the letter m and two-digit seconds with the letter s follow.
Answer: 10h24
